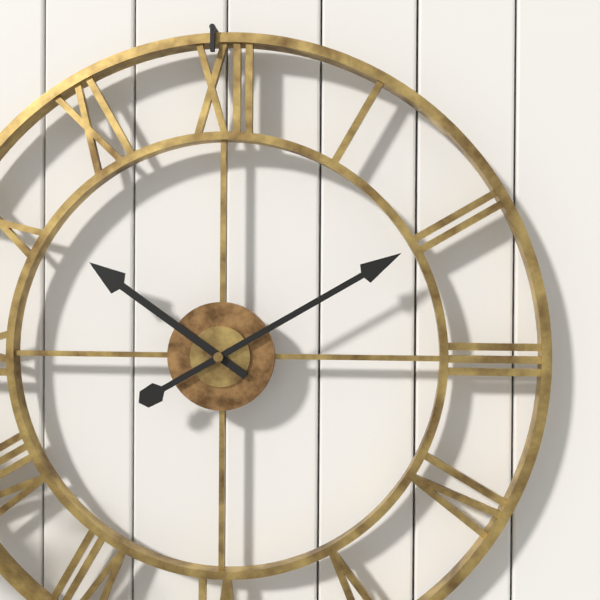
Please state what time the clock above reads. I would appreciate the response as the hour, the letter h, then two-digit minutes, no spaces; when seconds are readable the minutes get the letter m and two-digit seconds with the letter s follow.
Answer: 10h10
